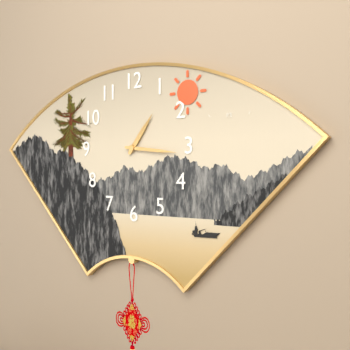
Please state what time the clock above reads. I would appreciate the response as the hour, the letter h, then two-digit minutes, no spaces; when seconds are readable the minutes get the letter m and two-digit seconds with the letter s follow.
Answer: 1h16
